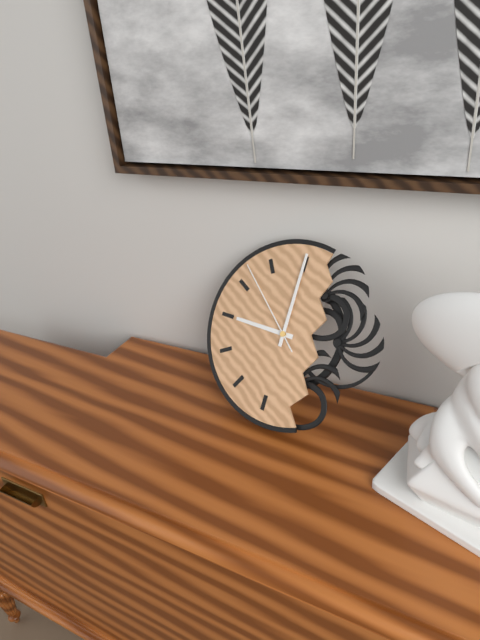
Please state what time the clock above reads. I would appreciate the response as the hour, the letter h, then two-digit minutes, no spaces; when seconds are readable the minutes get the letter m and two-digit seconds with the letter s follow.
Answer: 9h00m52s
